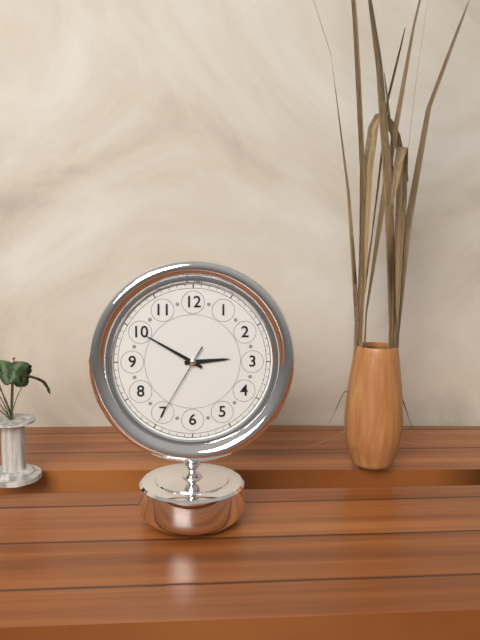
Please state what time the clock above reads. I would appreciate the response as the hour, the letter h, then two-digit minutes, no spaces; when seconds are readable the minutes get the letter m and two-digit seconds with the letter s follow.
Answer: 2h50m35s
